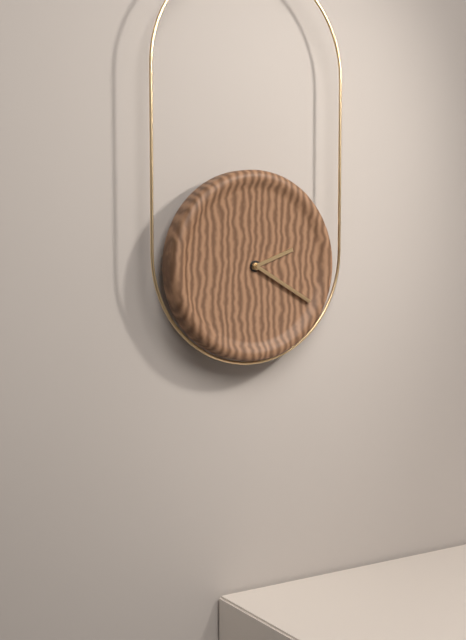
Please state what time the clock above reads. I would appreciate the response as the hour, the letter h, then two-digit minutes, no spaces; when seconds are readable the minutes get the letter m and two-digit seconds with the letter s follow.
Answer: 2h20
